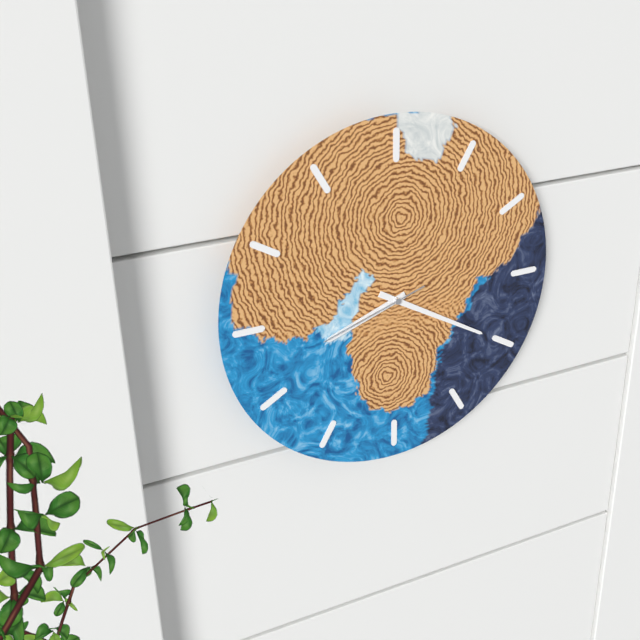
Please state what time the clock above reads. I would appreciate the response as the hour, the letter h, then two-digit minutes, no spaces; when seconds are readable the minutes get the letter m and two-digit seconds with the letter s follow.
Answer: 8h20m42s
